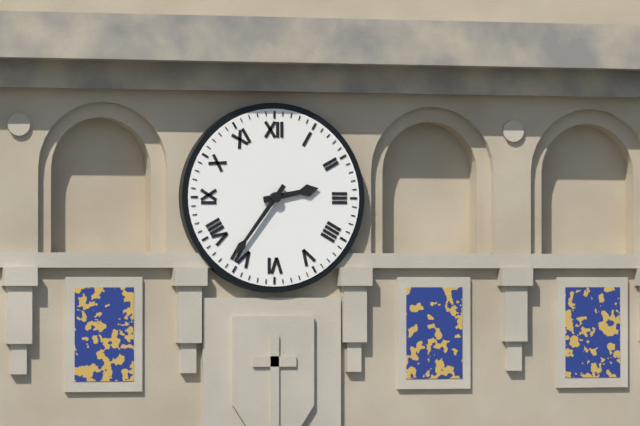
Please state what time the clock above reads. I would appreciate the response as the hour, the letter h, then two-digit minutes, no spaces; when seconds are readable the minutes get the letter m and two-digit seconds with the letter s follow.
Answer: 2h36
